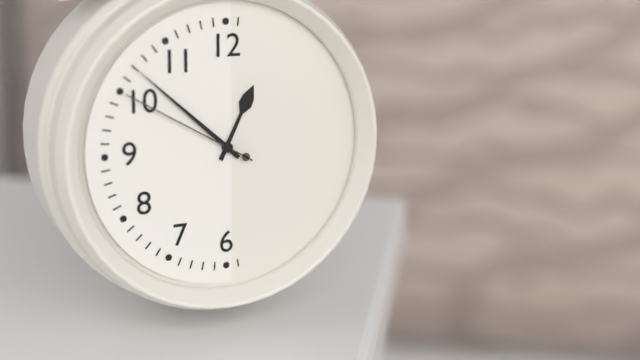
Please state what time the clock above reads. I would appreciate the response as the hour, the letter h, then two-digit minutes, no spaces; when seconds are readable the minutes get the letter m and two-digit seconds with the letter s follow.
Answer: 12h52m50s
